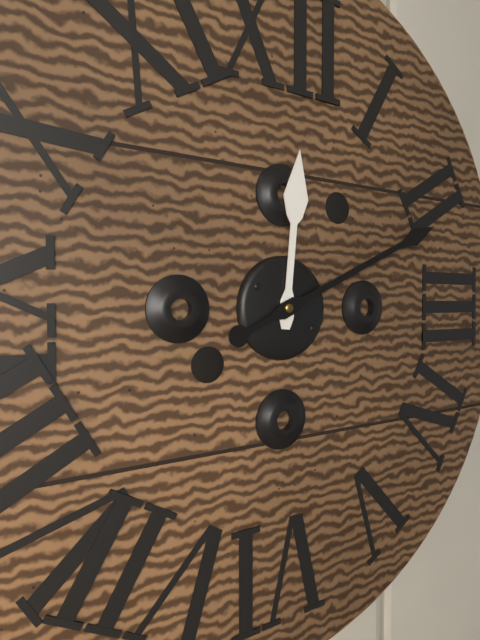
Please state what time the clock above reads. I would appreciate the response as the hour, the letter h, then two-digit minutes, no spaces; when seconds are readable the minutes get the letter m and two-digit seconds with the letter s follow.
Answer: 12h11
